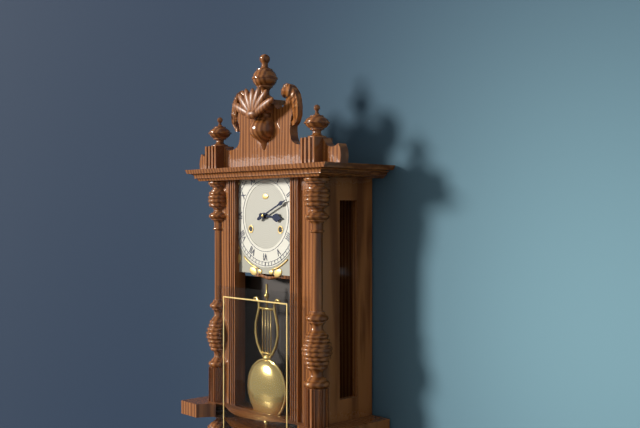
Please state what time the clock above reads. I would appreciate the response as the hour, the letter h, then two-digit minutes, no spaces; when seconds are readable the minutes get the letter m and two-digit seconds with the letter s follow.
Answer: 3h11
